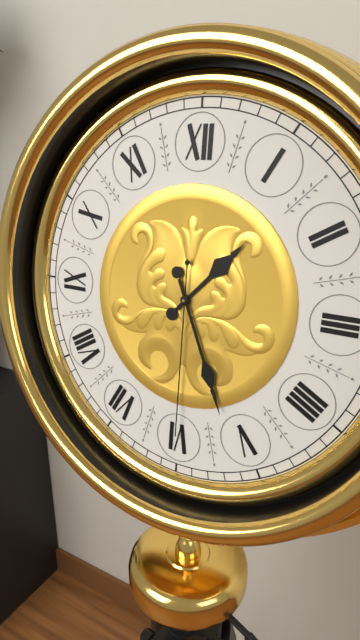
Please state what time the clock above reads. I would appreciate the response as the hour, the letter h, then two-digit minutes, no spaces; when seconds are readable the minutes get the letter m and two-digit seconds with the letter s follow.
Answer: 1h26m30s
